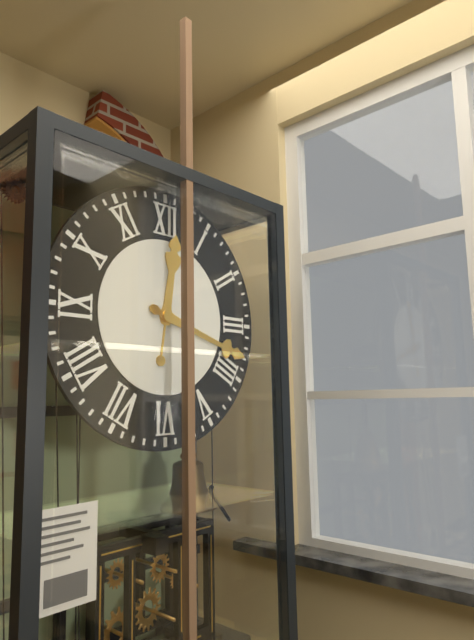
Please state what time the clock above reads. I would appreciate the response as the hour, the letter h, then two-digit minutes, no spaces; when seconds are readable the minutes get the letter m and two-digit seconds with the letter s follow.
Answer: 12h18
